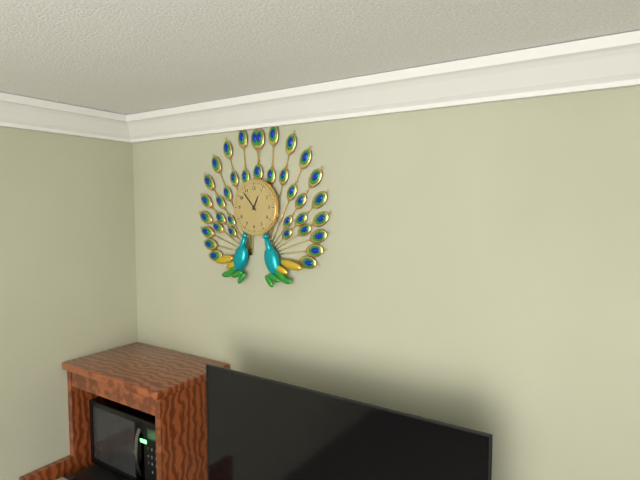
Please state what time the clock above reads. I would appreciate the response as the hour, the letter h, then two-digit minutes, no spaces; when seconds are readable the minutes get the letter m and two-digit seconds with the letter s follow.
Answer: 12h53
